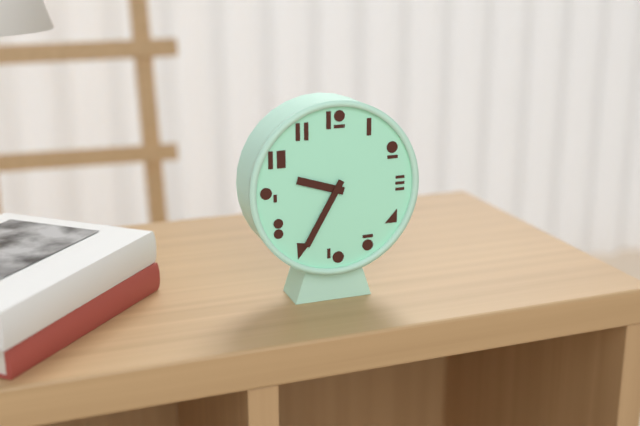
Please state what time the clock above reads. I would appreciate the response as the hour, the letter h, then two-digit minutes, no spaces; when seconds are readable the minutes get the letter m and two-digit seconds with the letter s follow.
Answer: 9h35
